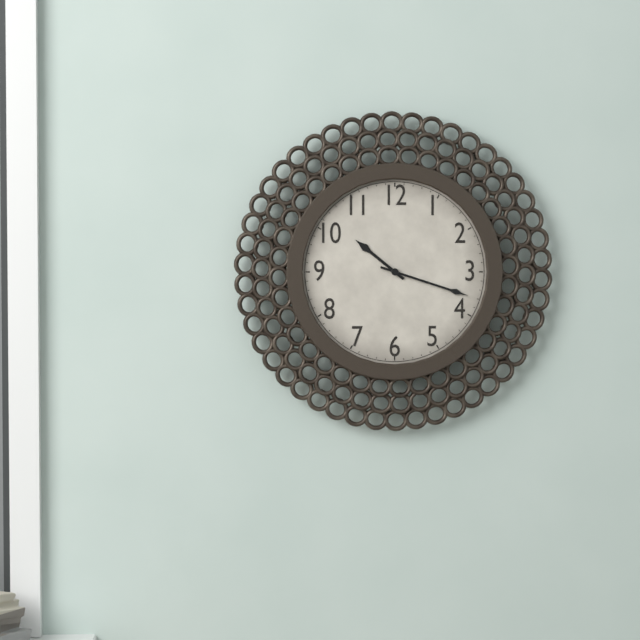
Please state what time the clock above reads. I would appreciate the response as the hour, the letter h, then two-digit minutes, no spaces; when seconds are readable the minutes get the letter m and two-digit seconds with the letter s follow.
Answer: 10h18
